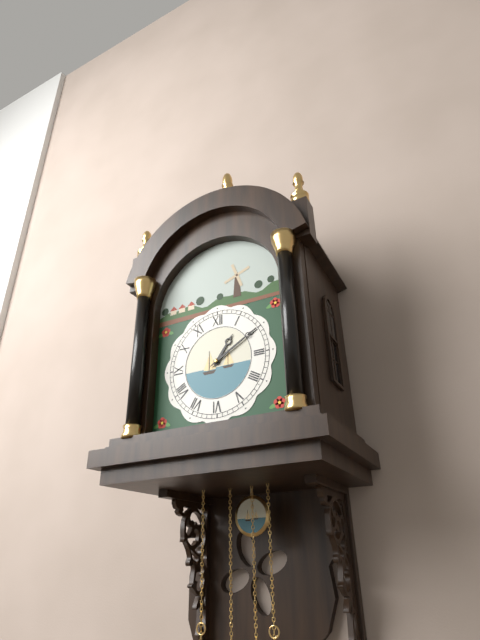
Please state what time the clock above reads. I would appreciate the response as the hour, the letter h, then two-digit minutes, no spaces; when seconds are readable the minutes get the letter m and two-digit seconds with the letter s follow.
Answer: 1h10
